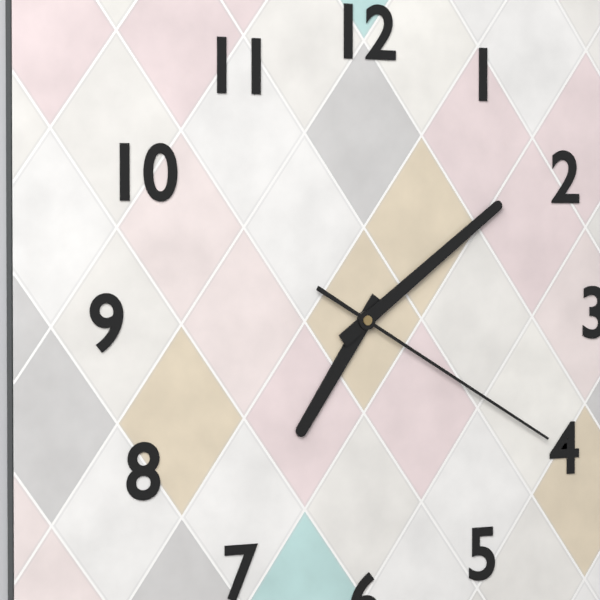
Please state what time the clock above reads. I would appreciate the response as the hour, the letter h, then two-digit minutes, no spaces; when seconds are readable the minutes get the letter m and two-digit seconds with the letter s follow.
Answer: 7h09m20s
